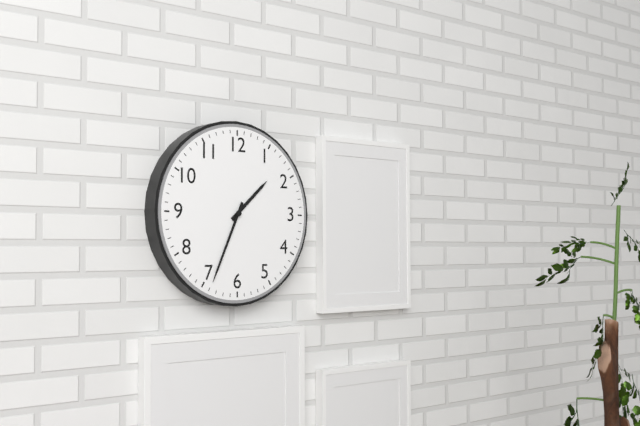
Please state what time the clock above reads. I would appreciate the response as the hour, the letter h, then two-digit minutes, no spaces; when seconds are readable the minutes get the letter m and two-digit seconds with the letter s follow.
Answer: 1h34
